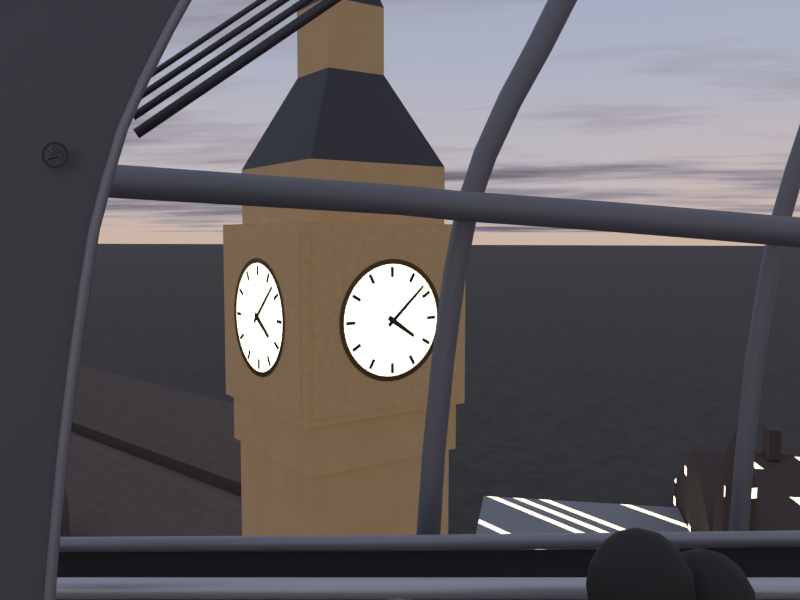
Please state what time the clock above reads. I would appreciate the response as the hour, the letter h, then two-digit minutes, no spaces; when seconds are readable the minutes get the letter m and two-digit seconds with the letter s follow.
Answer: 4h08
